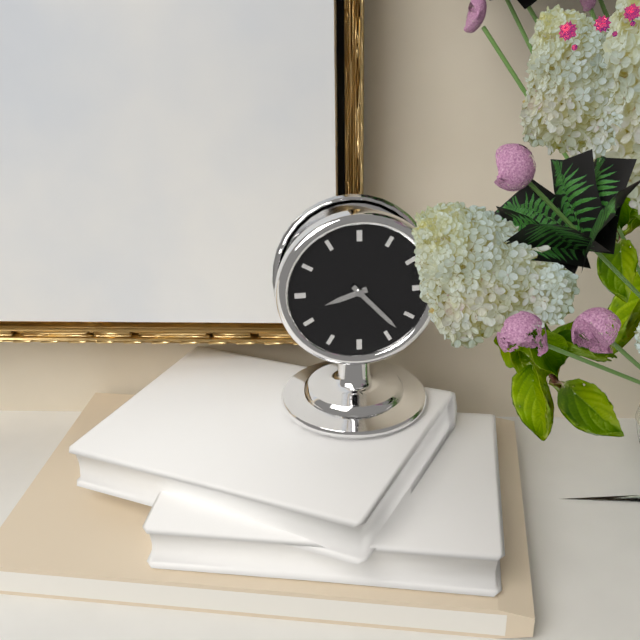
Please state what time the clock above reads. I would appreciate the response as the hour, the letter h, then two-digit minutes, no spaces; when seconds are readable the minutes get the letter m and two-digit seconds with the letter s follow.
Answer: 8h23
